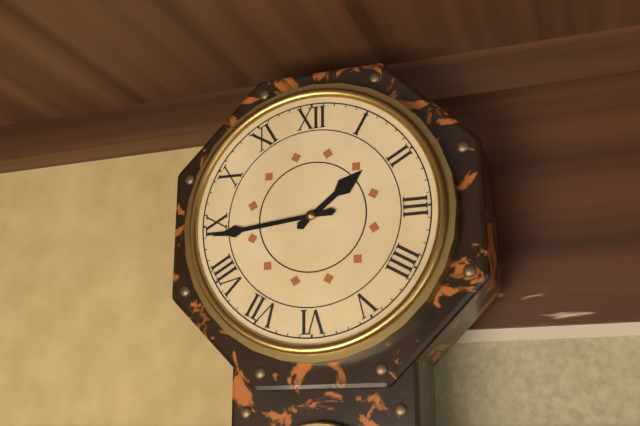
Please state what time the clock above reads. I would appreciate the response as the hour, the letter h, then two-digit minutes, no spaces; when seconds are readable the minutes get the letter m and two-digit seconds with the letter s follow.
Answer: 1h44
